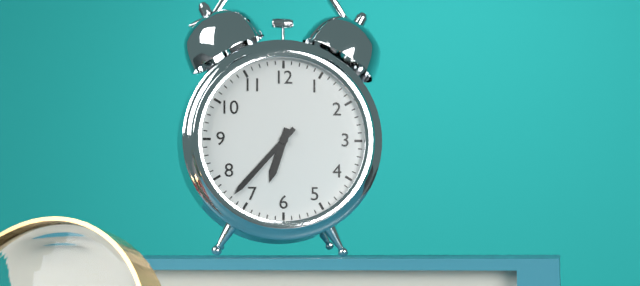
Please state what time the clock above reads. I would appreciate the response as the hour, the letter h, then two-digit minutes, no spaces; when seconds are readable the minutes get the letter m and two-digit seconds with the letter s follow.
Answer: 6h37
